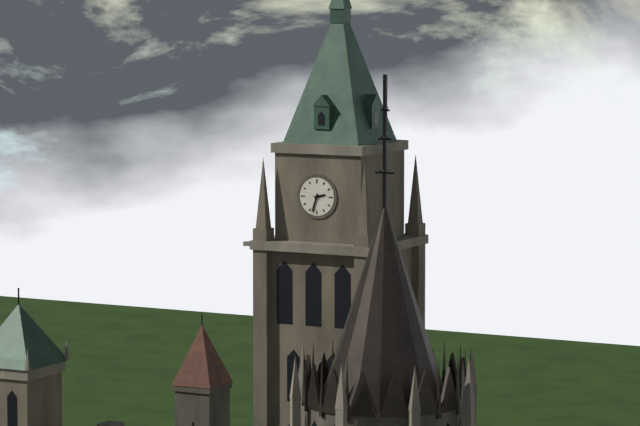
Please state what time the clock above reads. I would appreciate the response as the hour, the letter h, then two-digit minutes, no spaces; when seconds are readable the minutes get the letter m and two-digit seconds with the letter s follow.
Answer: 2h33
